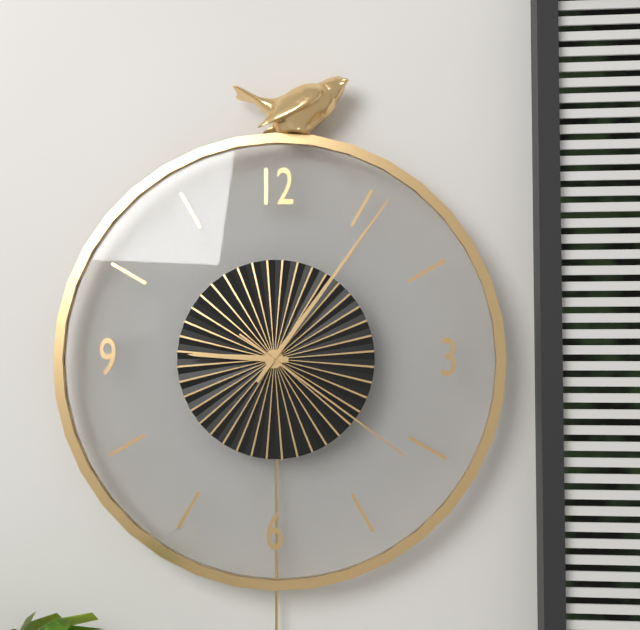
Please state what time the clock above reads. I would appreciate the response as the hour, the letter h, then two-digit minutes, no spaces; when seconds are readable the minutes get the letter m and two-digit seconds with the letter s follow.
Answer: 9h06m21s
